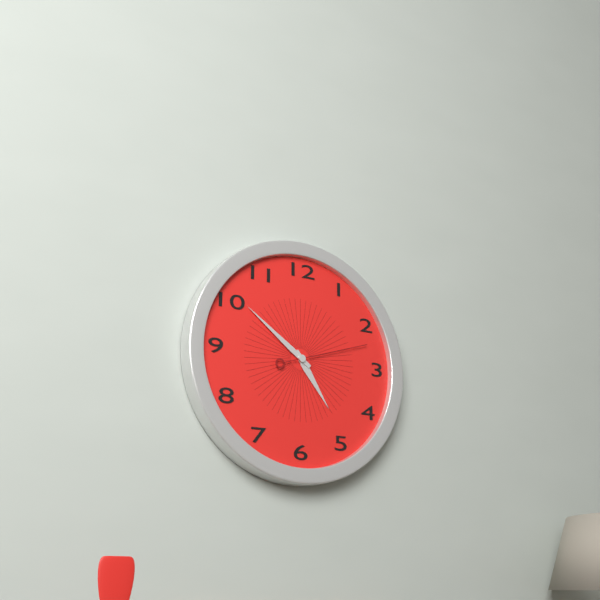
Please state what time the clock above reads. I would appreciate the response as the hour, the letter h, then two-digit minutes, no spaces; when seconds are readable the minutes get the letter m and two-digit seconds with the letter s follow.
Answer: 4h51m12s
